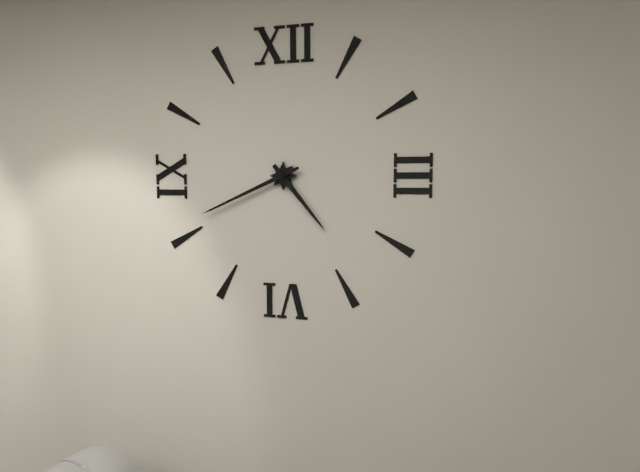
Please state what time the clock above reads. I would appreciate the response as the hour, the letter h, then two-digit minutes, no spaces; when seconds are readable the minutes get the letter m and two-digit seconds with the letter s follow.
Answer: 4h41
